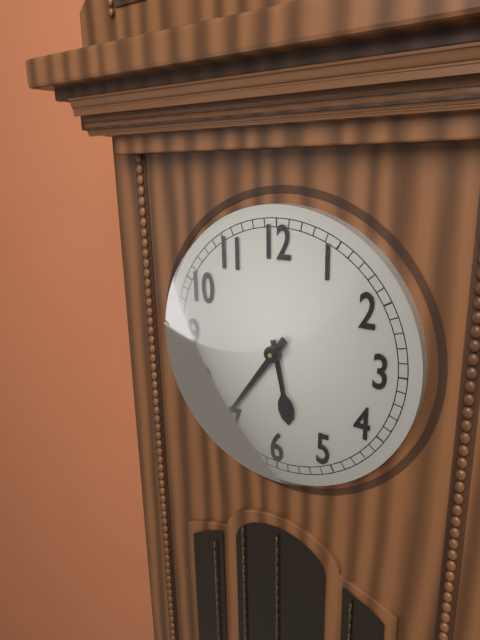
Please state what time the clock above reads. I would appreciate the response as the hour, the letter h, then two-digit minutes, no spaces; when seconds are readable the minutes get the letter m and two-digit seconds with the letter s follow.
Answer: 5h36
